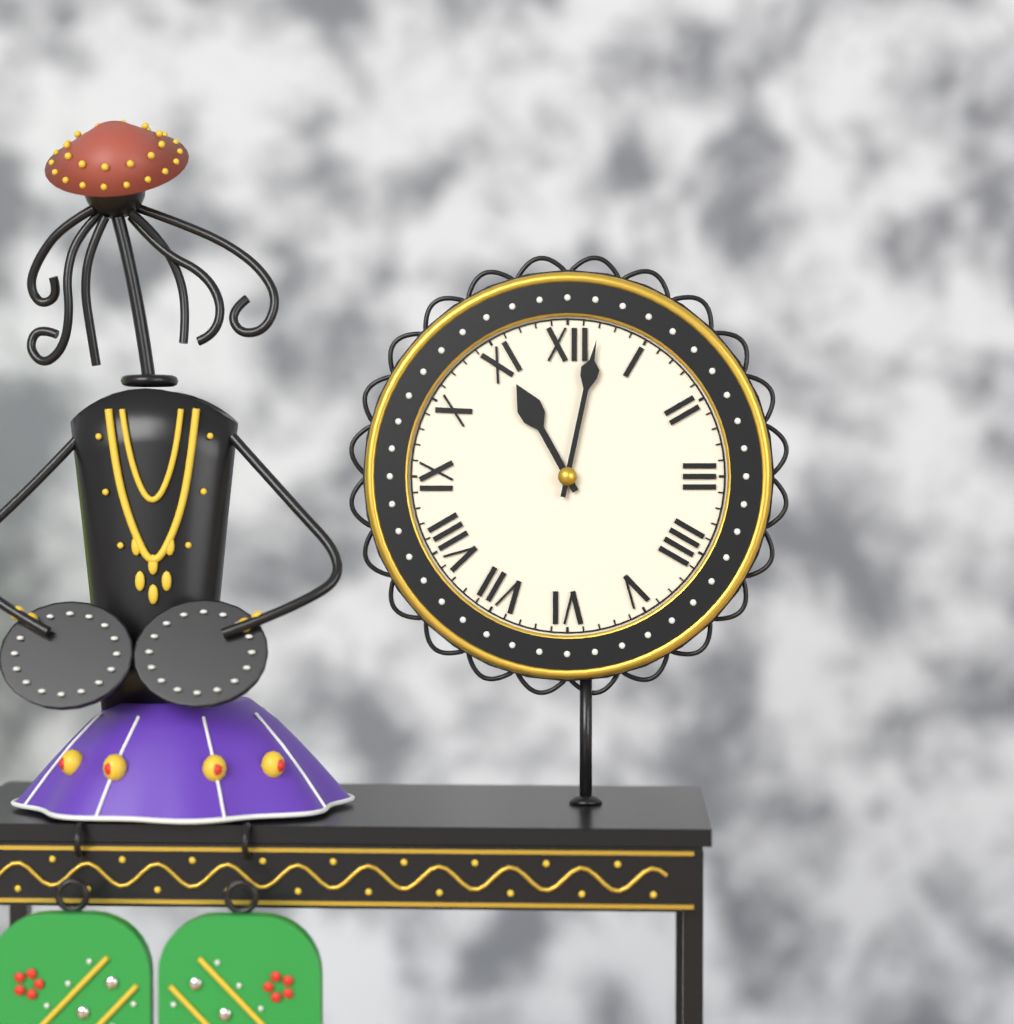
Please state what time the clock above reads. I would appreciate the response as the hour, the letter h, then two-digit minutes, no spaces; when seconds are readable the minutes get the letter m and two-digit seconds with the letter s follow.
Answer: 11h02
